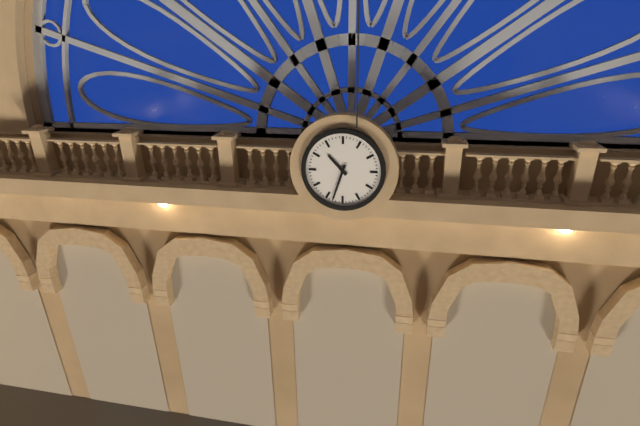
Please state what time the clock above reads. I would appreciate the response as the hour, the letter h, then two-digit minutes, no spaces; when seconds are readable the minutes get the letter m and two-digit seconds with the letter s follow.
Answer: 10h33
